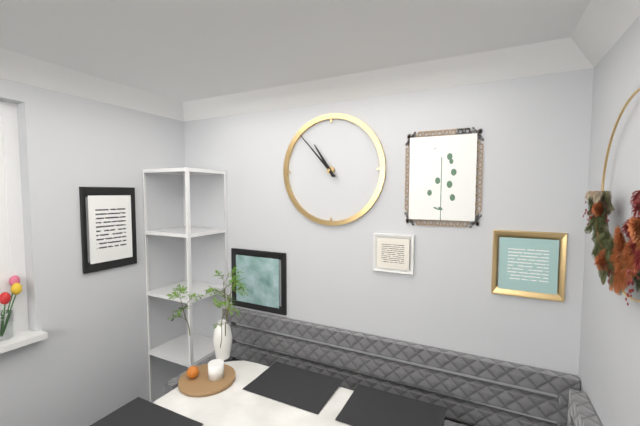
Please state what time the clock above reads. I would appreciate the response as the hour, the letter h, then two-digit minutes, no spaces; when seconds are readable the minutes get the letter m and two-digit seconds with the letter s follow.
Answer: 10h53
